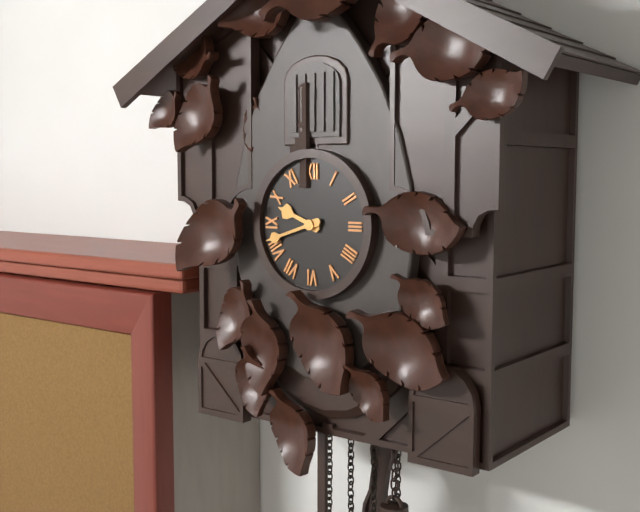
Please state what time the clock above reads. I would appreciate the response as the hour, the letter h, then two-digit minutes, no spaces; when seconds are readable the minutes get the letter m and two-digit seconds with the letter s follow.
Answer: 9h42
